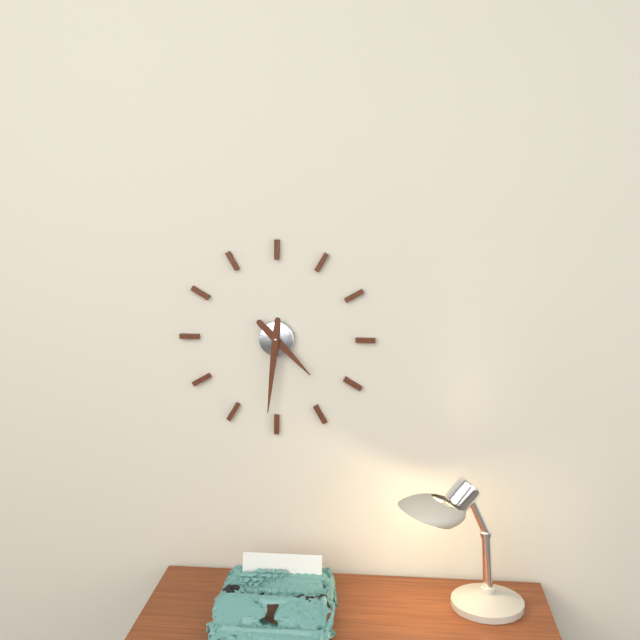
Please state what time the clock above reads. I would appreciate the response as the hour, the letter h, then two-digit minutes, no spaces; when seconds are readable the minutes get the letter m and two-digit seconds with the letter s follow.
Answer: 4h31
